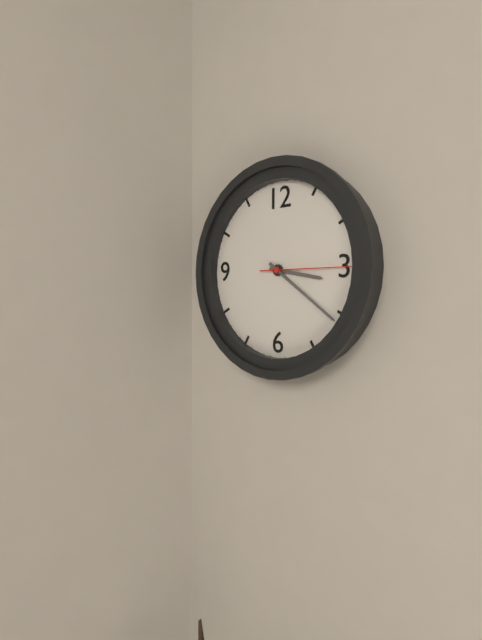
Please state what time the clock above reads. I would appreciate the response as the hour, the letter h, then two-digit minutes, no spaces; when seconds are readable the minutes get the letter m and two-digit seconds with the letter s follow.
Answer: 3h21m15s
